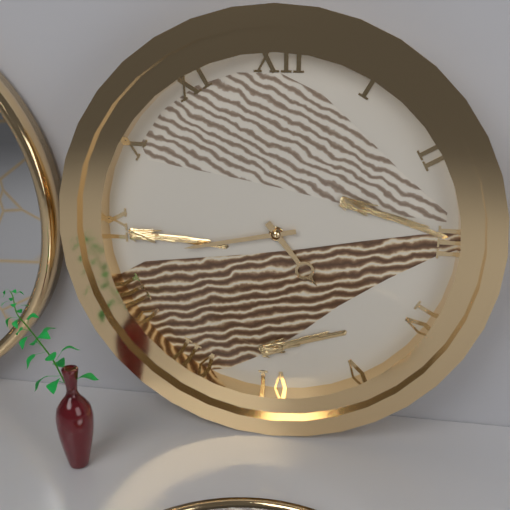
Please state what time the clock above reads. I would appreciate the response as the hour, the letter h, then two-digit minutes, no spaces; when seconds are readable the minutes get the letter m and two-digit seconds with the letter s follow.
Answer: 4h43
